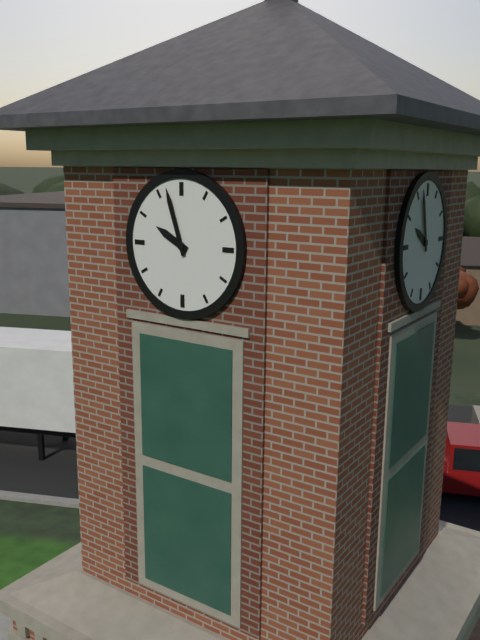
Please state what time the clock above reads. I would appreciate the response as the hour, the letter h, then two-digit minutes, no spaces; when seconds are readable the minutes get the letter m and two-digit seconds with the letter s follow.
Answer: 9h57
